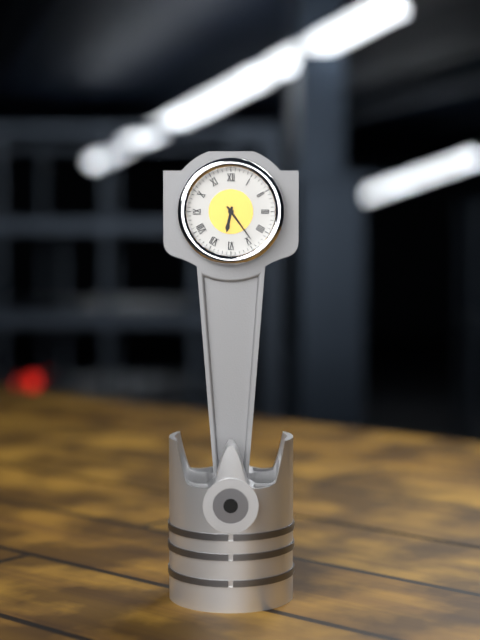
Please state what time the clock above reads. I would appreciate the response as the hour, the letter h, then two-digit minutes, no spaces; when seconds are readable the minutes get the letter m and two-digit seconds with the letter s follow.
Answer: 6h24
